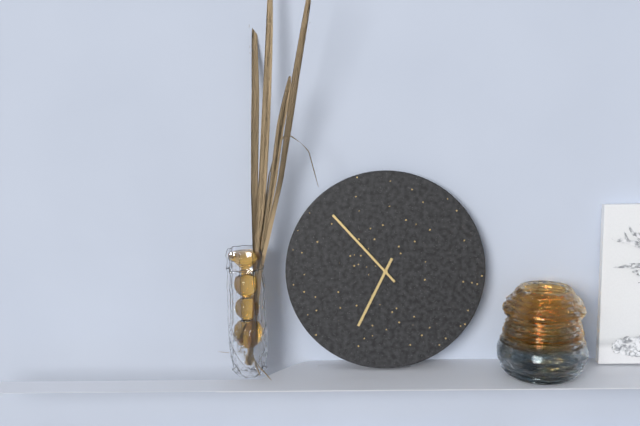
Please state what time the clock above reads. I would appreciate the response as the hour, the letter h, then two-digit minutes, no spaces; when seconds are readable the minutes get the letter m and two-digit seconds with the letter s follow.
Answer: 6h53
